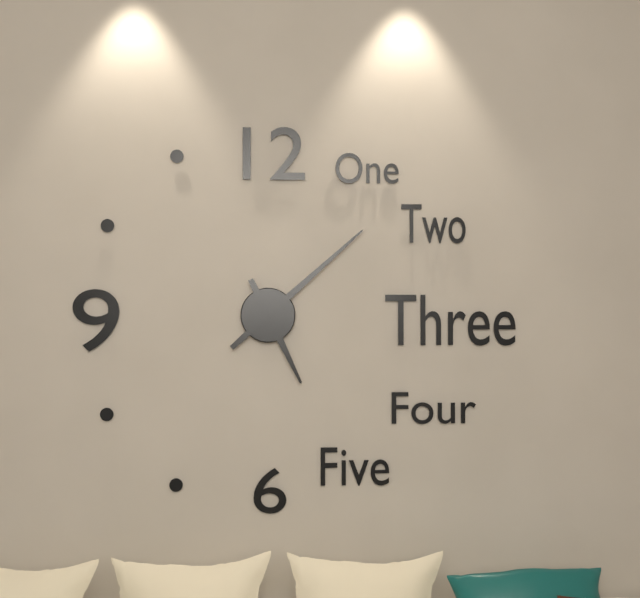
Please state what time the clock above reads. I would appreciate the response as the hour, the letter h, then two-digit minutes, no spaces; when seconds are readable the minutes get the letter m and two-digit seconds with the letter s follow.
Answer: 5h08
